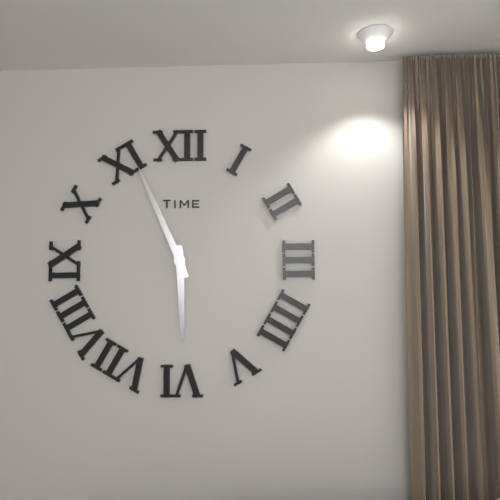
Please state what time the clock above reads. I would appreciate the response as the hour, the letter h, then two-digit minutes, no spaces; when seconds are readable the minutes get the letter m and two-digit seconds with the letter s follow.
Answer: 5h56
